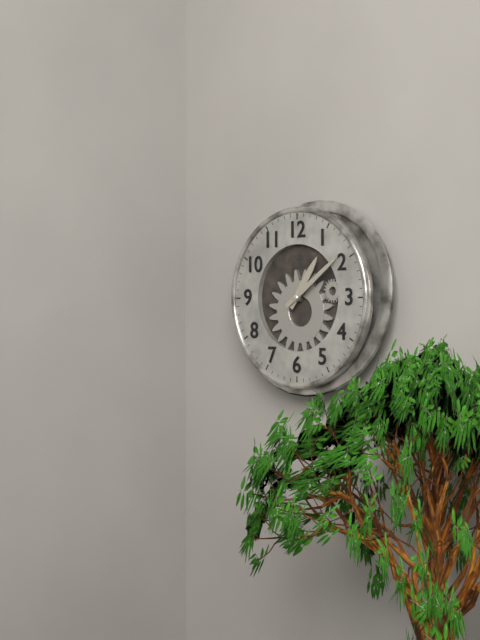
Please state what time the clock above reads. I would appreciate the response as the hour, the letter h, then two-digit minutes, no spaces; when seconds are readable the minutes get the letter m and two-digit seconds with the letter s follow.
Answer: 1h09
